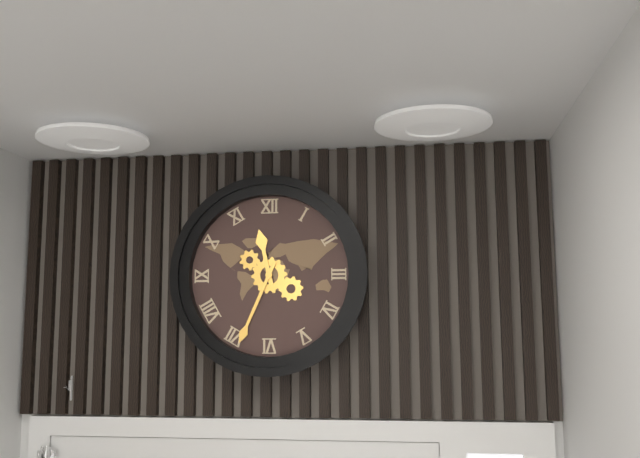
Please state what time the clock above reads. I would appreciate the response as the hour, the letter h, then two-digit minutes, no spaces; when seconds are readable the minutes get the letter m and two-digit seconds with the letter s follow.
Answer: 11h34
